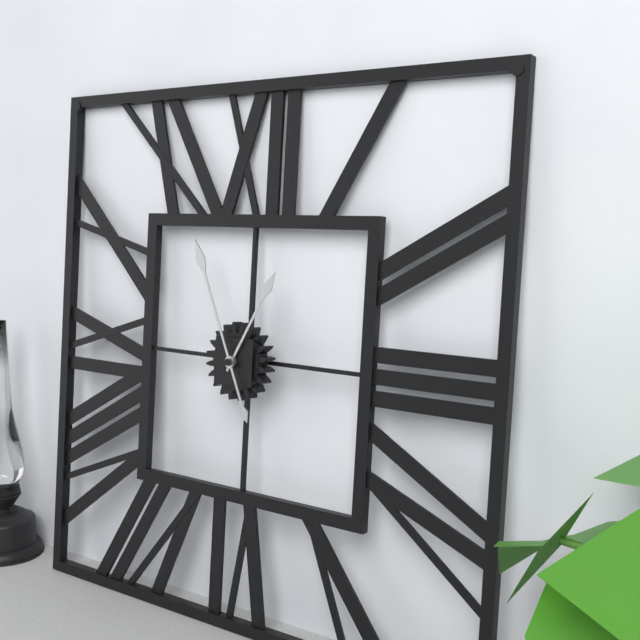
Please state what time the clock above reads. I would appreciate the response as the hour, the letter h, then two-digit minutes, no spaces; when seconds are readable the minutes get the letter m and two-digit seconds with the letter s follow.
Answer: 12h56
